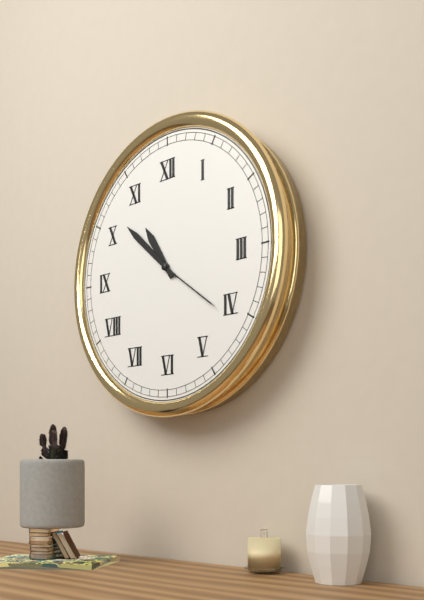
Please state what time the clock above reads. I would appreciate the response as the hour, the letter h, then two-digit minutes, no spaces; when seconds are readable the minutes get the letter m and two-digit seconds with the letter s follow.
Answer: 10h52
